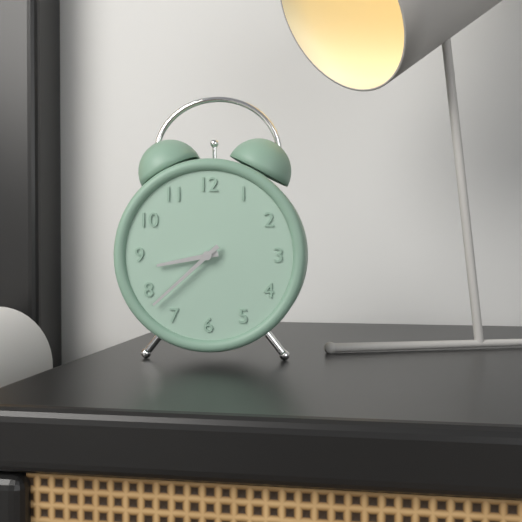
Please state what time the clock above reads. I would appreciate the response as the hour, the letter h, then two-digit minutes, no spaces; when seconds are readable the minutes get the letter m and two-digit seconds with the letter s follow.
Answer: 8h38
